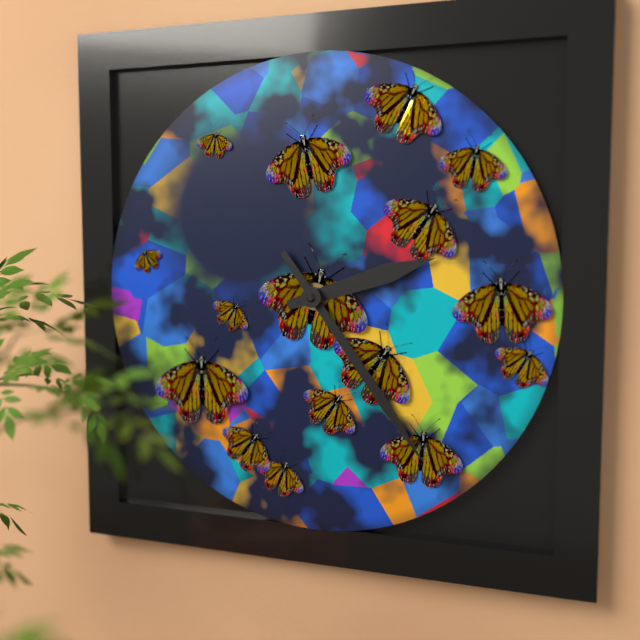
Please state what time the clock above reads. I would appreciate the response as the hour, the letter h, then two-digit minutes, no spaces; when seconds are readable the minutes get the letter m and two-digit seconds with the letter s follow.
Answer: 2h24
